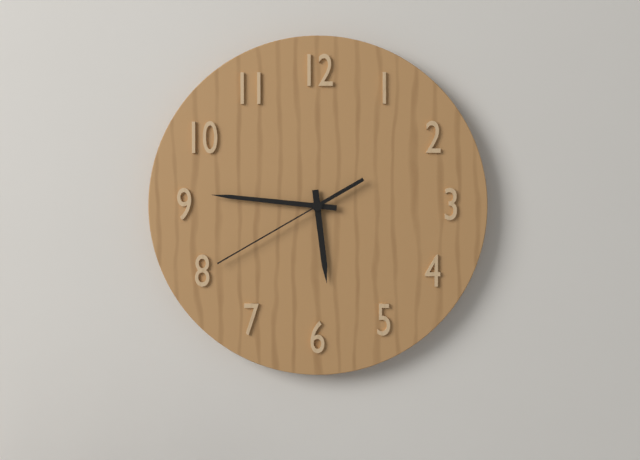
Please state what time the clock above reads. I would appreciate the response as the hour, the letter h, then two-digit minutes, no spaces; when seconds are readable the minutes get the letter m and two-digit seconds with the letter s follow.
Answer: 5h46m40s
